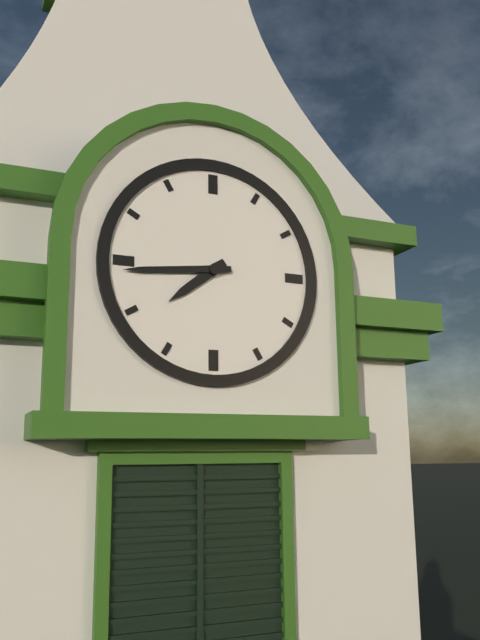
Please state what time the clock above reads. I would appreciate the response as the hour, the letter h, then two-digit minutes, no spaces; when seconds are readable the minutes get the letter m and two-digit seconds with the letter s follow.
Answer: 7h44
